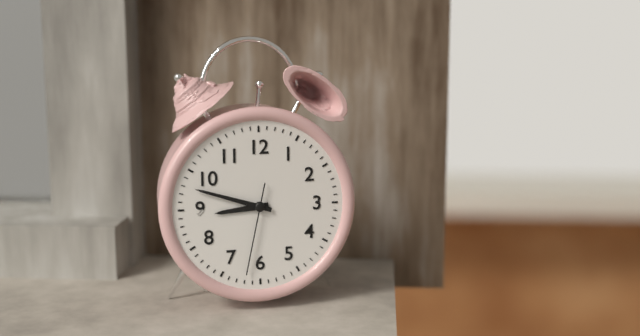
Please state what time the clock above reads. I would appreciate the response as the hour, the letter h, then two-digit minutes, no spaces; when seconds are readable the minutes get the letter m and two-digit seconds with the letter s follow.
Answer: 8h48m32s
